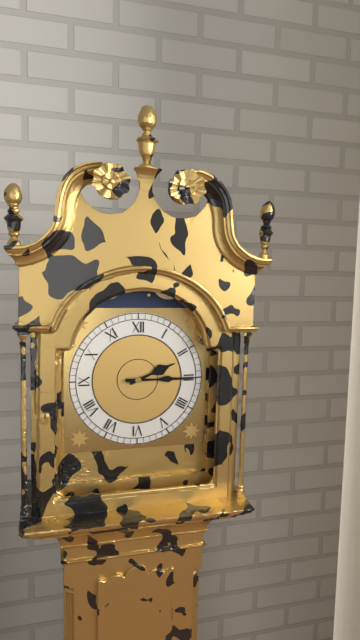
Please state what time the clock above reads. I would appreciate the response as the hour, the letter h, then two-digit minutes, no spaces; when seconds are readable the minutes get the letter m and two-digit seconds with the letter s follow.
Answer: 2h15
